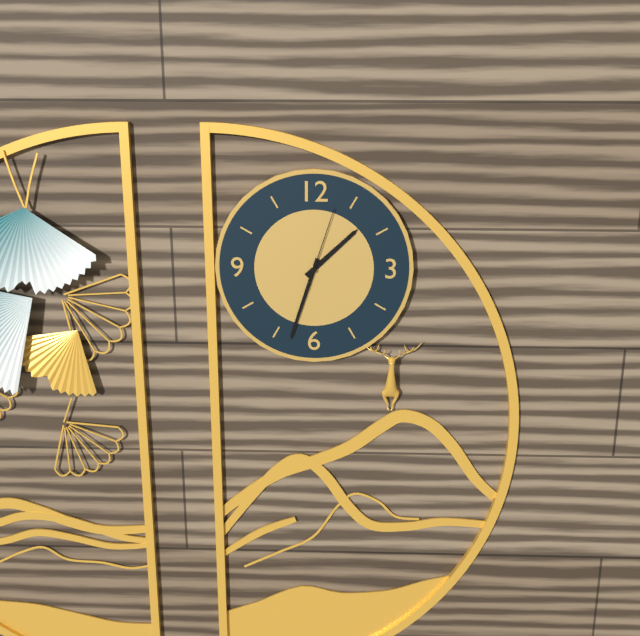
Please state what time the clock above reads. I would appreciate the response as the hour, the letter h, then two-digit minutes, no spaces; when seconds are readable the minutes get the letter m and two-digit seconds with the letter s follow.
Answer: 1h33m03s
